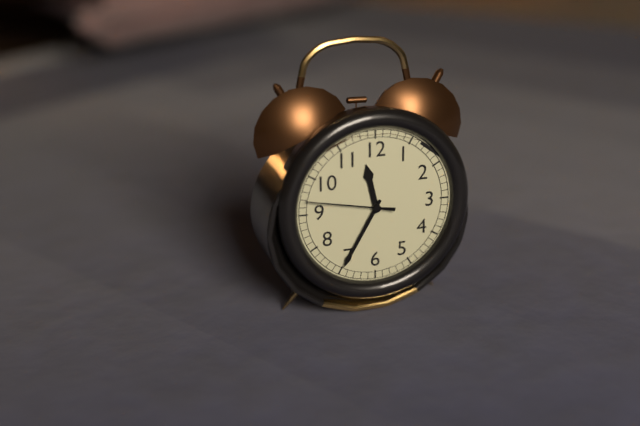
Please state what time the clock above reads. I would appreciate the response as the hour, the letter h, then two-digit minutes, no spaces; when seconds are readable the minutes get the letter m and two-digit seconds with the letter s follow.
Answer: 11h35m47s
